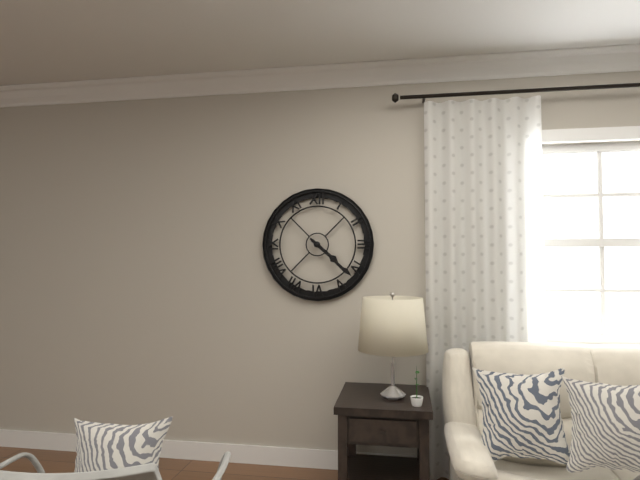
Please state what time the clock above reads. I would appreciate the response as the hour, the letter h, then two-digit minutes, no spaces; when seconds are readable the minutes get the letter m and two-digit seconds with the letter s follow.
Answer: 4h22
